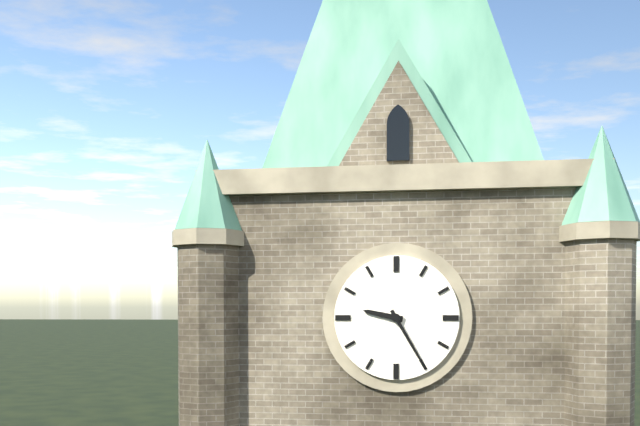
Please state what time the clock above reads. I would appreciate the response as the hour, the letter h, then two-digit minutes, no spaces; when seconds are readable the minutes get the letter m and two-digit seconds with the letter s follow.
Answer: 9h25
